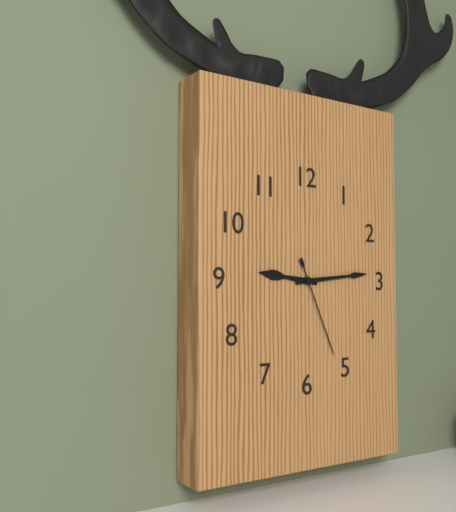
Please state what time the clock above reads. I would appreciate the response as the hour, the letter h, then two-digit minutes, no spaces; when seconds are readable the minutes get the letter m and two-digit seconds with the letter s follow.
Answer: 9h14m26s
